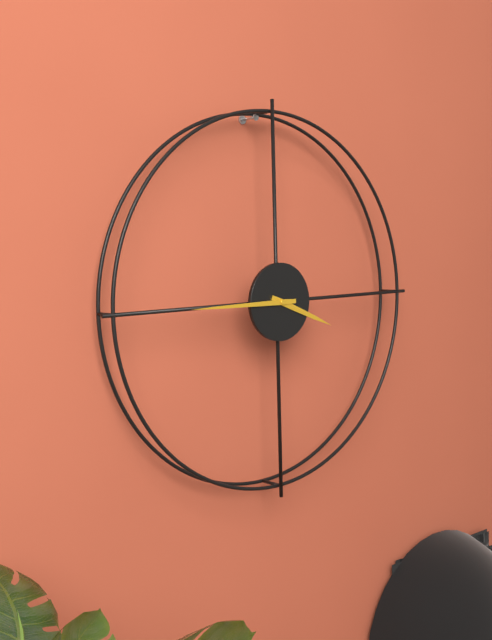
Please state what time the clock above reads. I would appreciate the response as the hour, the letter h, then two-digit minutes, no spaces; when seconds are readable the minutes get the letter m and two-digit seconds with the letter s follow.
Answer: 3h45
